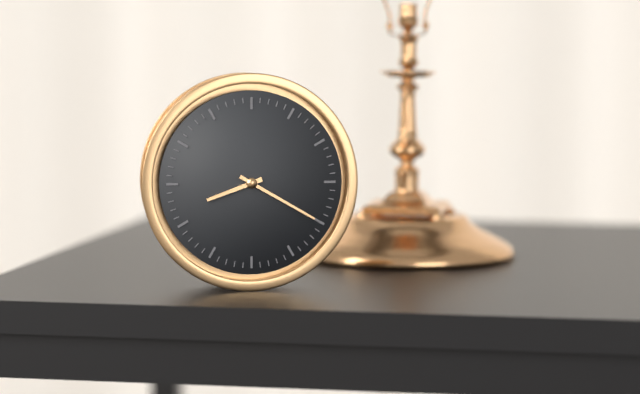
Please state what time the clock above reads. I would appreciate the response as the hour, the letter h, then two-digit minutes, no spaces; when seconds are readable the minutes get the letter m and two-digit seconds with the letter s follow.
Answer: 8h20
